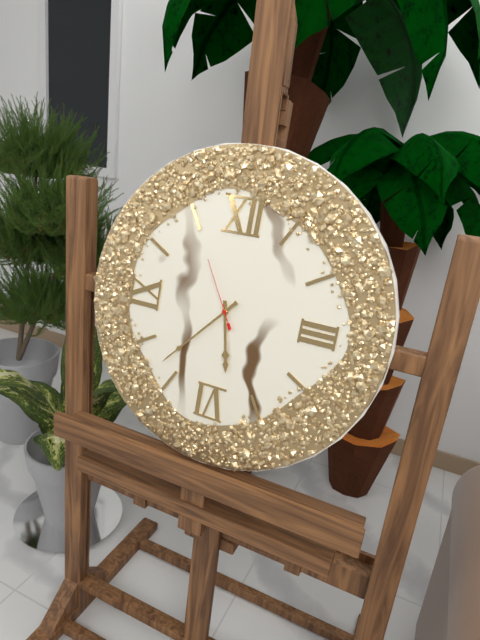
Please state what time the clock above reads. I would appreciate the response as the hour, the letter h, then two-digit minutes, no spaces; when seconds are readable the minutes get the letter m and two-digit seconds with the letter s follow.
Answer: 5h37m55s
